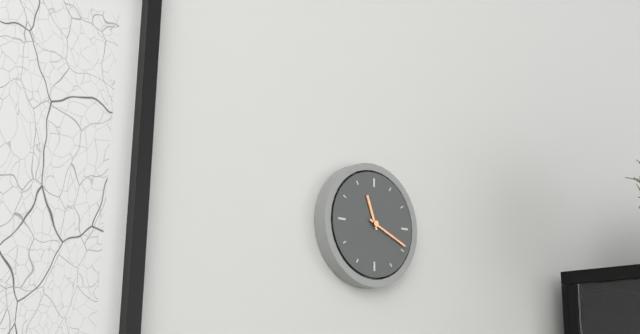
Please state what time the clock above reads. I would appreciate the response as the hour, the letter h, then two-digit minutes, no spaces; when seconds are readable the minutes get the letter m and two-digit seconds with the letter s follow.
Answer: 11h19
